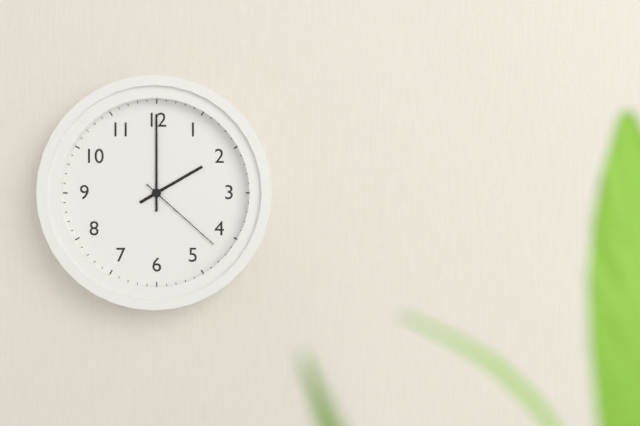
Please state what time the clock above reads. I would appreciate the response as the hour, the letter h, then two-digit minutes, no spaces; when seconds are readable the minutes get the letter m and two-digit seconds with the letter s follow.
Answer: 2h00m22s
